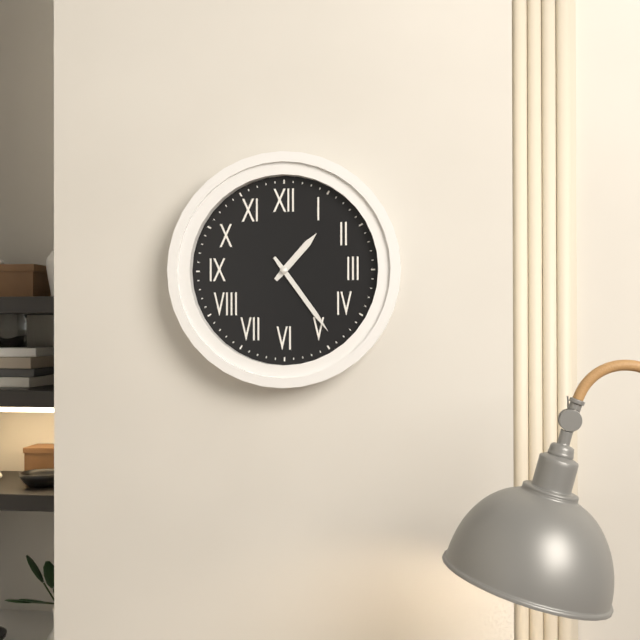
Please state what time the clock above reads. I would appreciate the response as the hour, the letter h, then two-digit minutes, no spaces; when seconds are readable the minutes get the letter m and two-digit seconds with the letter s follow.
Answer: 1h24
